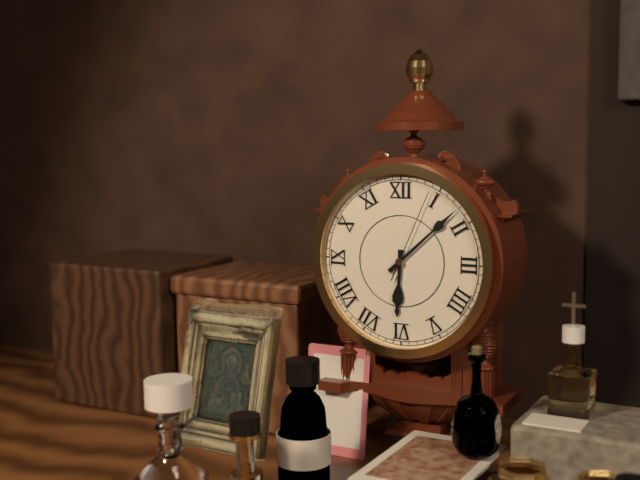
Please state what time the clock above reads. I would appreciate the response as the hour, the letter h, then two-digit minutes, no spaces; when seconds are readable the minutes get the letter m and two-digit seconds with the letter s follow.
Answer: 6h08m04s
